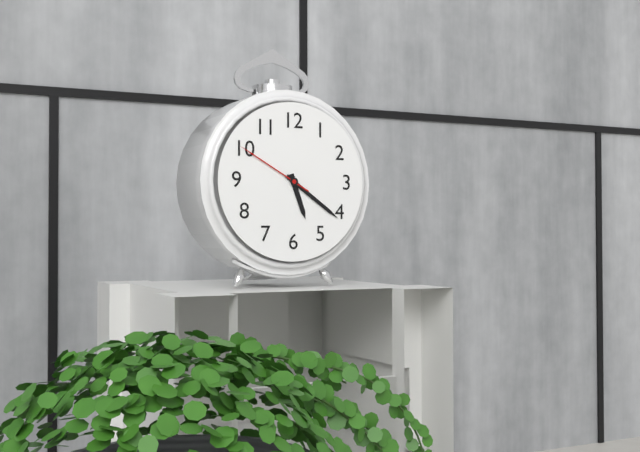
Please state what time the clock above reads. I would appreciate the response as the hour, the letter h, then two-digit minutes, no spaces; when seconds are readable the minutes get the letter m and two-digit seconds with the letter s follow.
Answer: 5h21m50s
